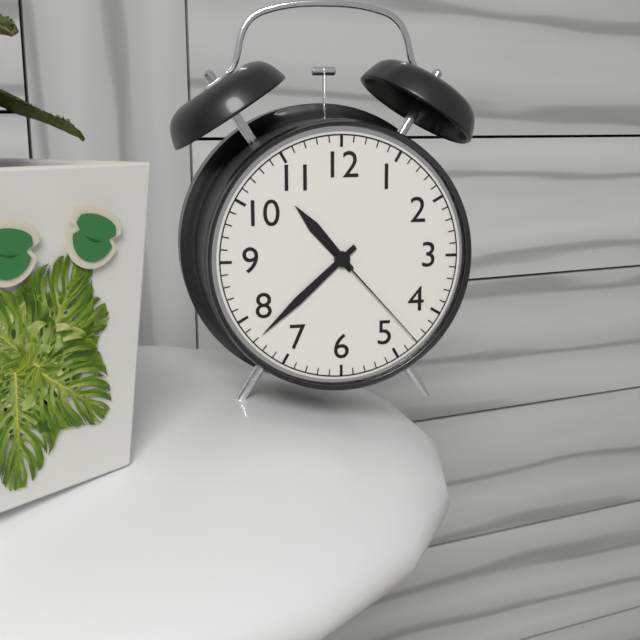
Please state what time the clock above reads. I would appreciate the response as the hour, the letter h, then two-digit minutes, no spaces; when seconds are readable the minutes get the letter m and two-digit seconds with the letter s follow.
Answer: 10h38m23s
